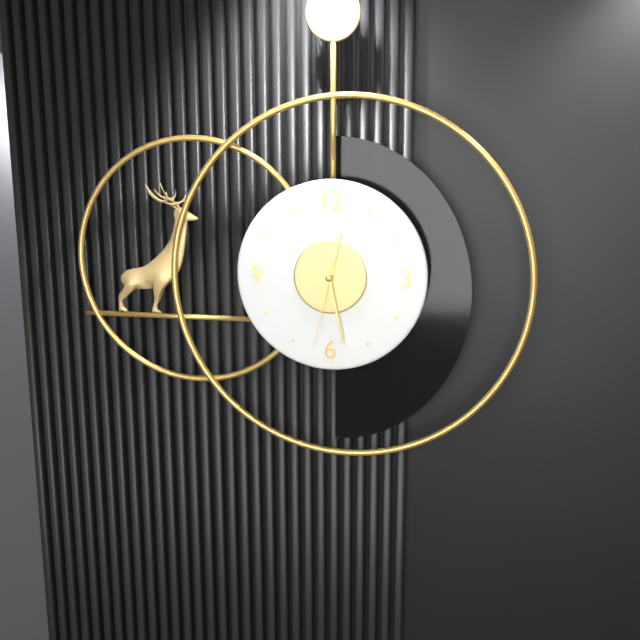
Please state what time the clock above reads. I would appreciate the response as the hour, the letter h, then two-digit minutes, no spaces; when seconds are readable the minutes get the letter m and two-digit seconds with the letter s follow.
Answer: 12h28m32s
